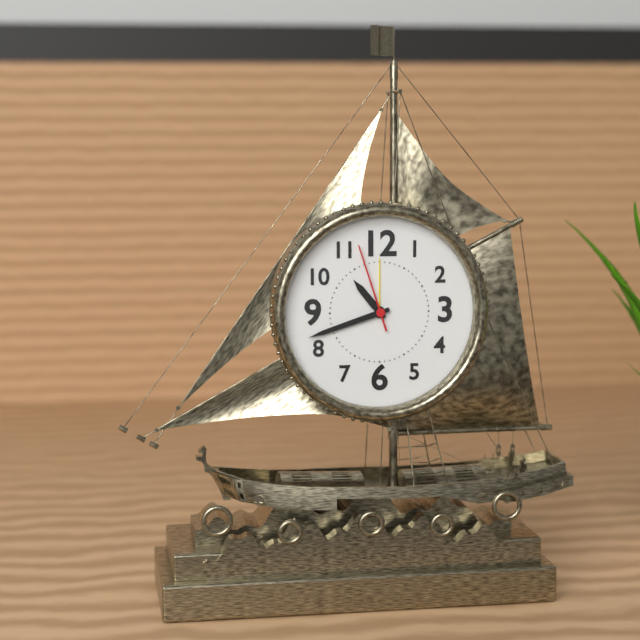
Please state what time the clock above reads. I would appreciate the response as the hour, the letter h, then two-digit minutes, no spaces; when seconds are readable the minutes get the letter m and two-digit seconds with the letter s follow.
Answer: 10h42m57s
